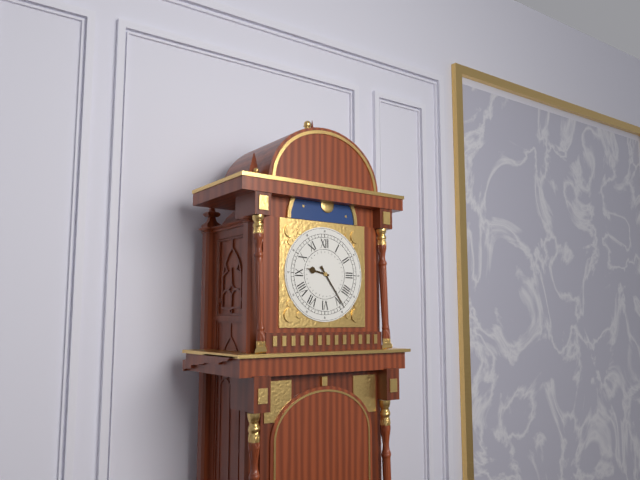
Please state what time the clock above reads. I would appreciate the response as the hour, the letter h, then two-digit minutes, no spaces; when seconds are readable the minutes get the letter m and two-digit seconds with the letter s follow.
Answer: 9h24
